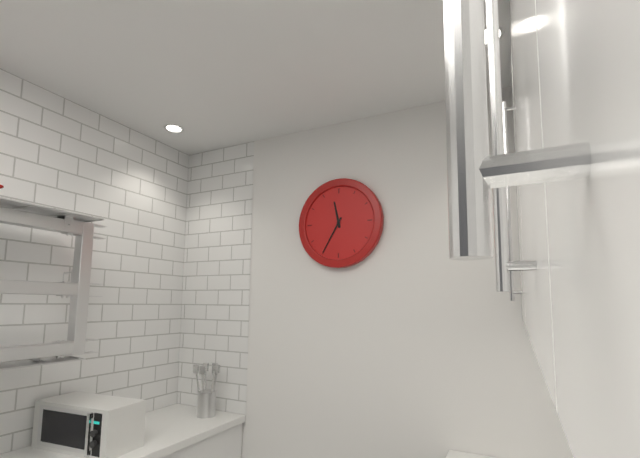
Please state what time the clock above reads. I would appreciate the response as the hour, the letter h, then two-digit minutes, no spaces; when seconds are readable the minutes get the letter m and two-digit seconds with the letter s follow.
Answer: 11h35
